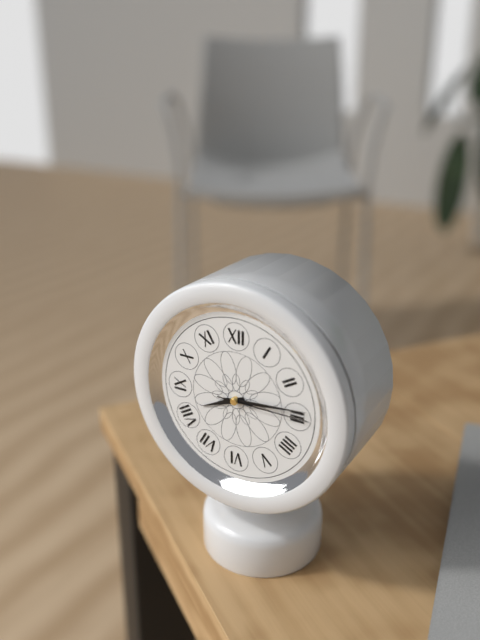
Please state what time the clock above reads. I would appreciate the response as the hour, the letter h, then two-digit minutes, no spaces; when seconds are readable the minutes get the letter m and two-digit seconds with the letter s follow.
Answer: 8h14m15s
